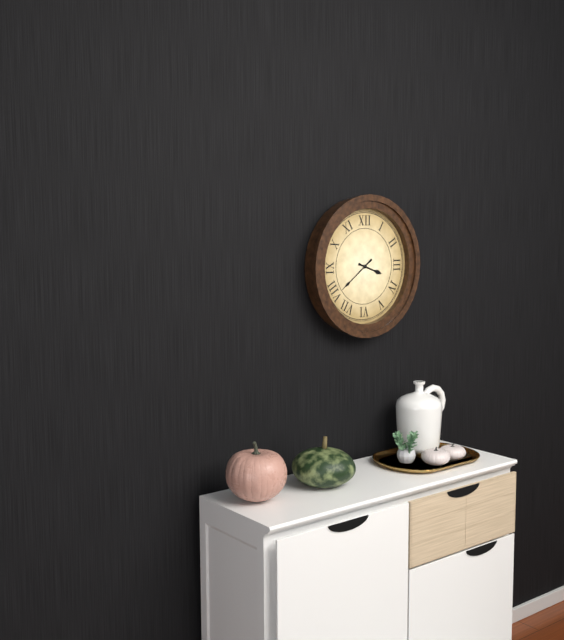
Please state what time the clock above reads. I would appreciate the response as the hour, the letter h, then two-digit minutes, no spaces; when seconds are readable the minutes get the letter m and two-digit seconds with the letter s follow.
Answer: 3h39
